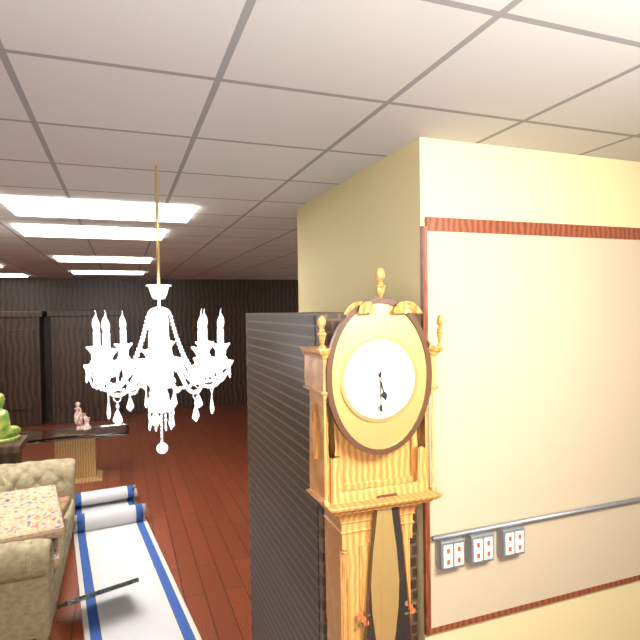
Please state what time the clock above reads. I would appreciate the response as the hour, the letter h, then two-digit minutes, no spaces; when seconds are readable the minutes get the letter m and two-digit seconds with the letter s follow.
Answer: 5h30
